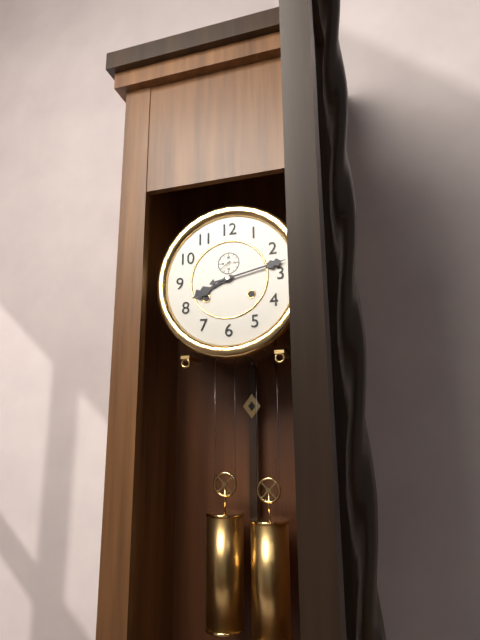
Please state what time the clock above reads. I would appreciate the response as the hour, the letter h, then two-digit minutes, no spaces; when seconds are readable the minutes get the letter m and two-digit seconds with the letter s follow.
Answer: 8h13
